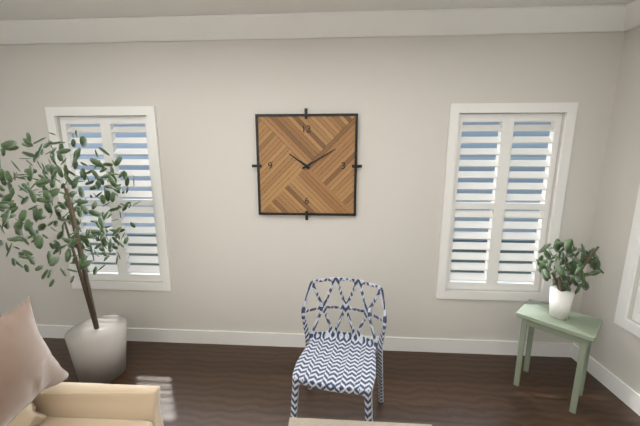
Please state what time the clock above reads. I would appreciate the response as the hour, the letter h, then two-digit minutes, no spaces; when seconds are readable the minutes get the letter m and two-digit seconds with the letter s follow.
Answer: 10h10
